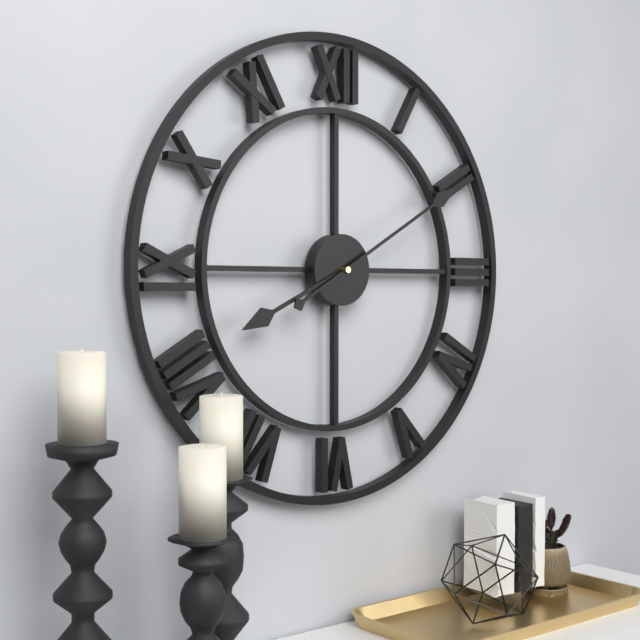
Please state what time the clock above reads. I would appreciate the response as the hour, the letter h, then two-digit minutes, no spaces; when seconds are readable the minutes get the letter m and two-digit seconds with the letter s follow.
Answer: 8h10
